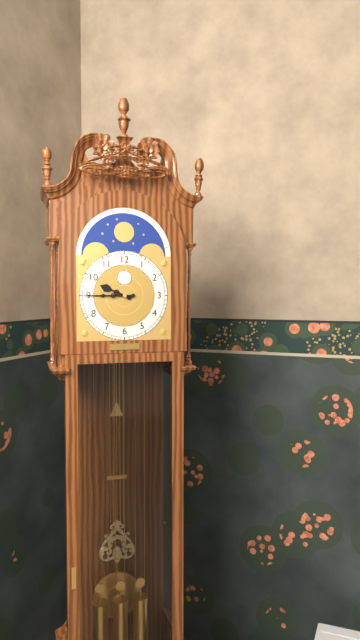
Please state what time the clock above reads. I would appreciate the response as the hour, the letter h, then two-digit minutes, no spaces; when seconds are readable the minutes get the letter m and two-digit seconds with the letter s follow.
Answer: 9h45
